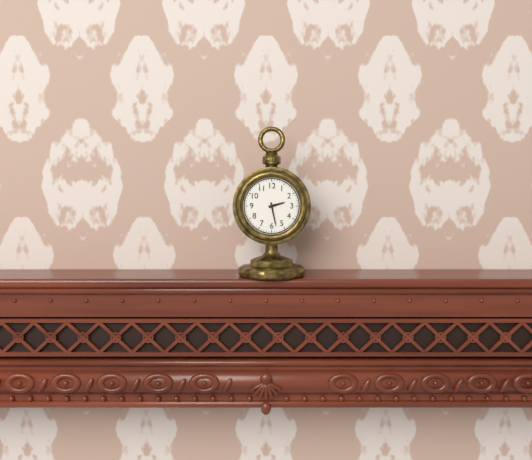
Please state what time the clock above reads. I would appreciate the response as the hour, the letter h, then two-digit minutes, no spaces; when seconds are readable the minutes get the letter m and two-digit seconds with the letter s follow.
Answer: 2h28
